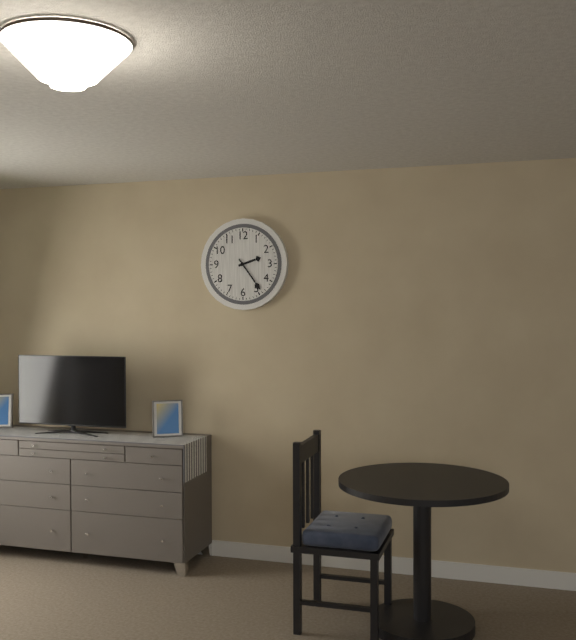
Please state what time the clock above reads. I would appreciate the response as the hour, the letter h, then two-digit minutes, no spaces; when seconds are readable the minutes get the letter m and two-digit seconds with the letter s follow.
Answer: 2h24
